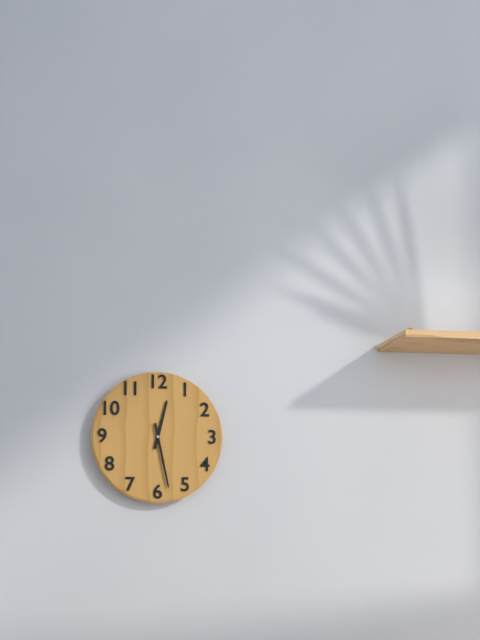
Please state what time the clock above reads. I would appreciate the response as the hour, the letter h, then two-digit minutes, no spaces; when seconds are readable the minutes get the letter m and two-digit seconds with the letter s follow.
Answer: 12h28
